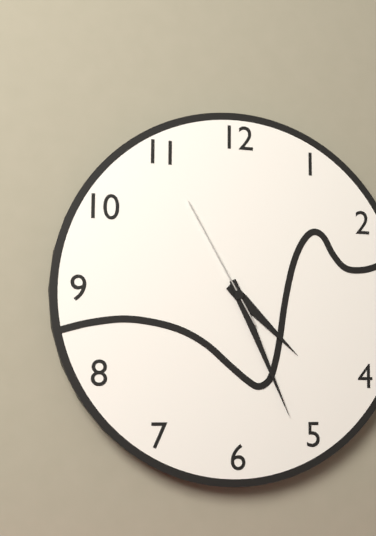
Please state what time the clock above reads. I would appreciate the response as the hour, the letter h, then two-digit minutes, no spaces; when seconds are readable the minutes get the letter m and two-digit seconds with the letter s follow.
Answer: 4h26m55s
